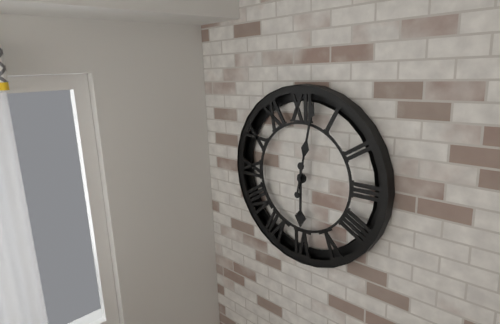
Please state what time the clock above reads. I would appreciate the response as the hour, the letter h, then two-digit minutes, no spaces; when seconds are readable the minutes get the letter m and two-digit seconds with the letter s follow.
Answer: 6h02
